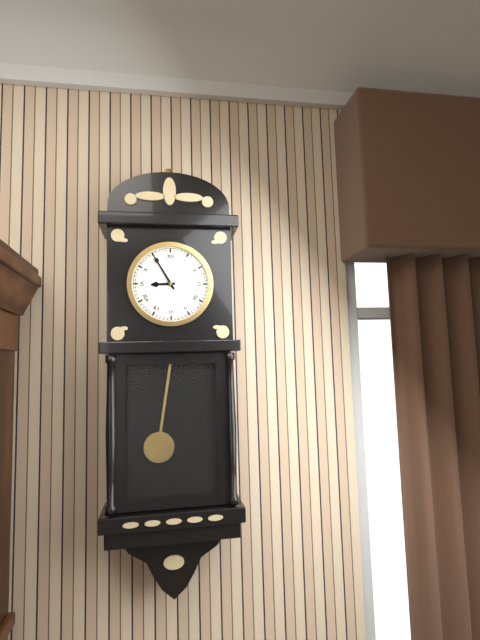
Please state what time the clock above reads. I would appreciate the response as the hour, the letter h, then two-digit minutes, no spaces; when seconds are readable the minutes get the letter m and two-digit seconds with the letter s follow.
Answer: 8h55
